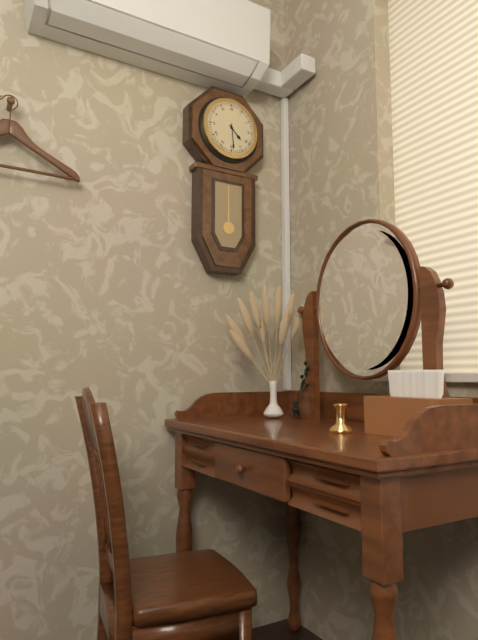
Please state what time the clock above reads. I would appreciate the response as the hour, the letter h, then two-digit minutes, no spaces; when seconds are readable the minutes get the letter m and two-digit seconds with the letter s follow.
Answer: 4h29
